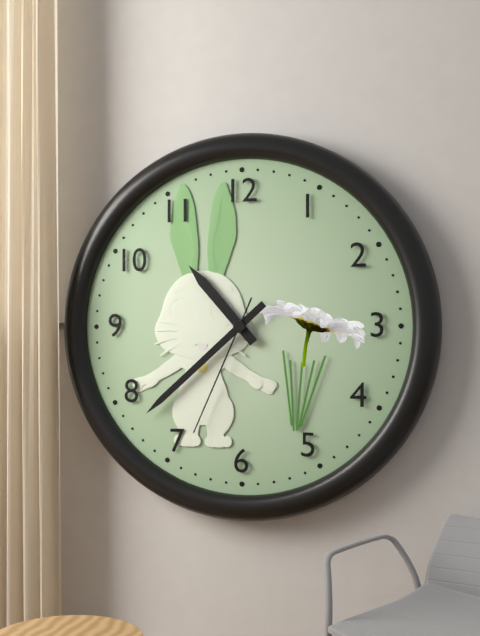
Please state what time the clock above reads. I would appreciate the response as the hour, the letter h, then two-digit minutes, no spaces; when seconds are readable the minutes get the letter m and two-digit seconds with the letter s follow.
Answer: 10h38m34s
